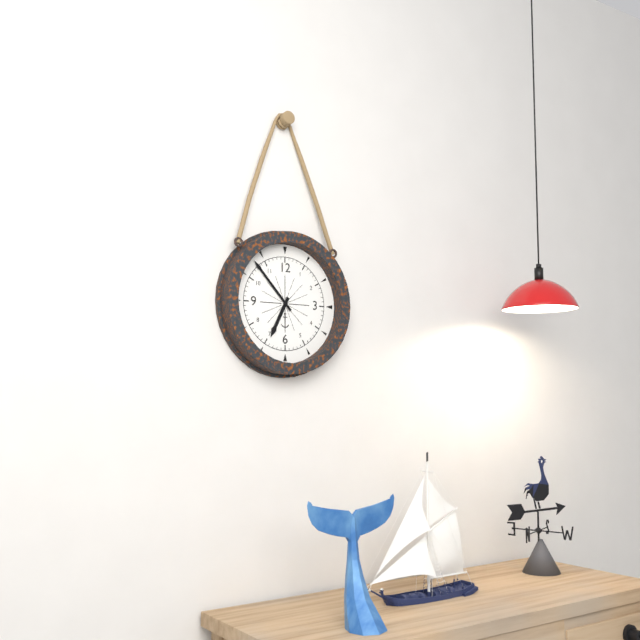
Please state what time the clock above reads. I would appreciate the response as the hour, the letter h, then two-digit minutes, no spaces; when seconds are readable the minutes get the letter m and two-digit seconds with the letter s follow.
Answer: 6h53
